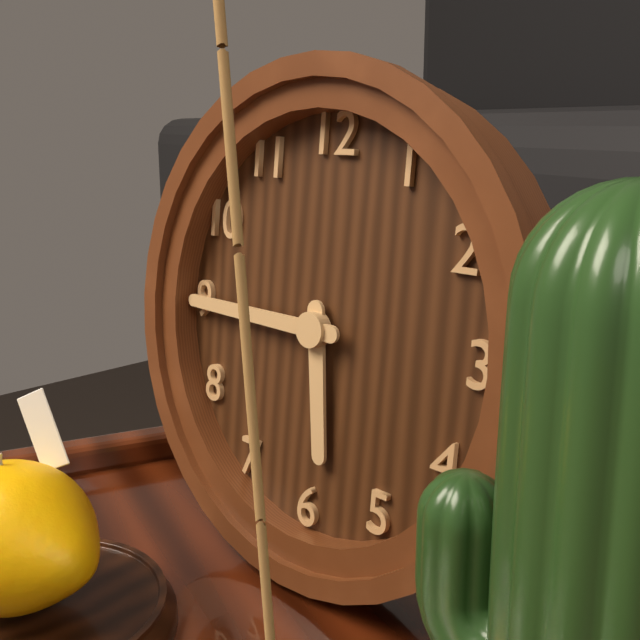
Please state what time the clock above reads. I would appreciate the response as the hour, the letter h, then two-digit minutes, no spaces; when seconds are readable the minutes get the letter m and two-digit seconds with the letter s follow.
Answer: 5h45
